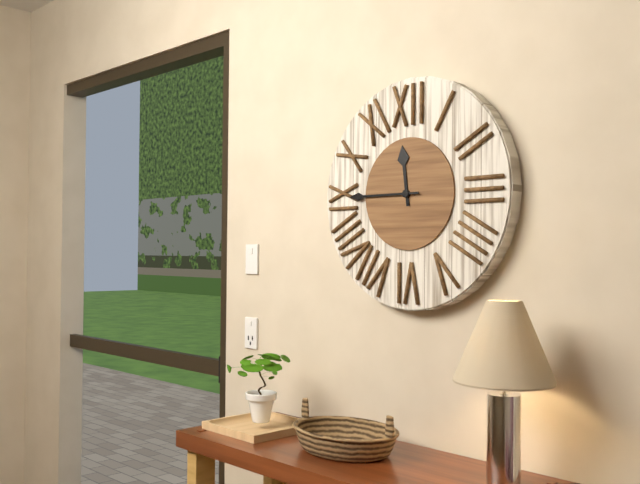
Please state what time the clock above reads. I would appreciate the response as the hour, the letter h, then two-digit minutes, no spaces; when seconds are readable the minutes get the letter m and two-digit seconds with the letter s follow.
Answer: 11h45
